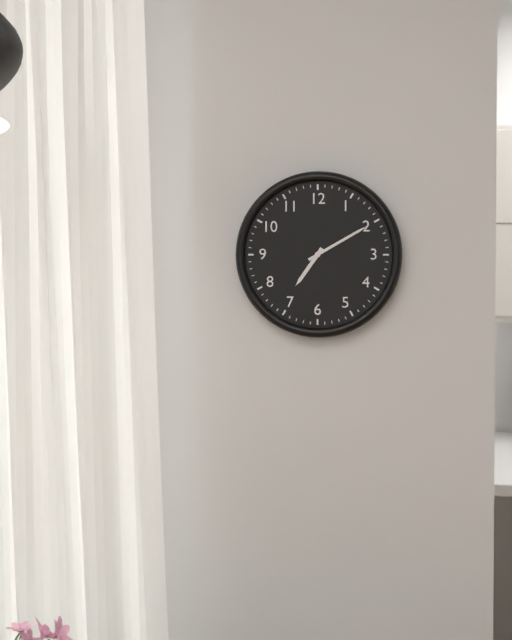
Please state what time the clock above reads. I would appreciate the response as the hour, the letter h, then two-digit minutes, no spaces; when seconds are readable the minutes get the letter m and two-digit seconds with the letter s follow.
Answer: 7h10
